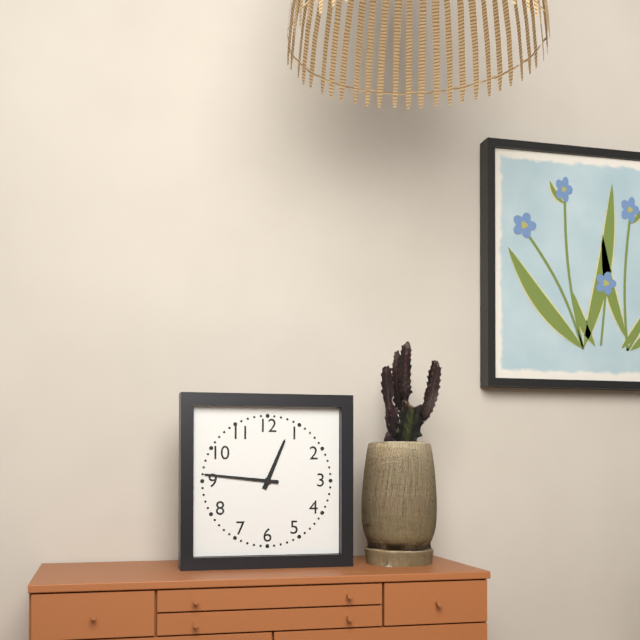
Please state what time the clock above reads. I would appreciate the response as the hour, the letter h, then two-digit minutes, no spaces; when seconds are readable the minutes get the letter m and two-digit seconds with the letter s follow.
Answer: 12h46
